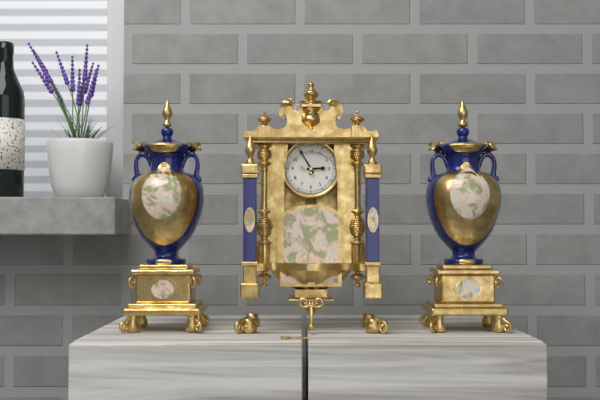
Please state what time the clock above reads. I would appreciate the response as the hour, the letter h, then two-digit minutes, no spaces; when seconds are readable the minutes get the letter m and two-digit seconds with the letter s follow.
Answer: 2h55
